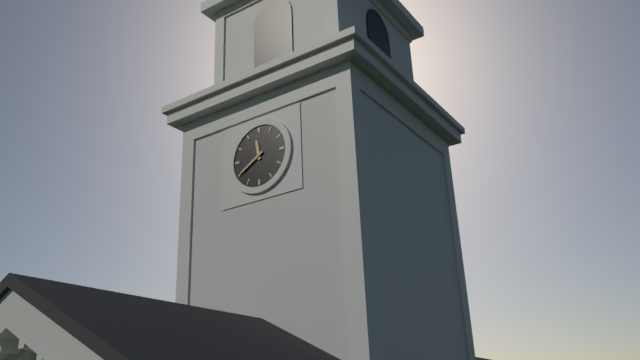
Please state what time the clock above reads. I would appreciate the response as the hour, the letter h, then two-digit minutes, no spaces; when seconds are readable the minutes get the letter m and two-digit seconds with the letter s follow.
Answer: 11h40
